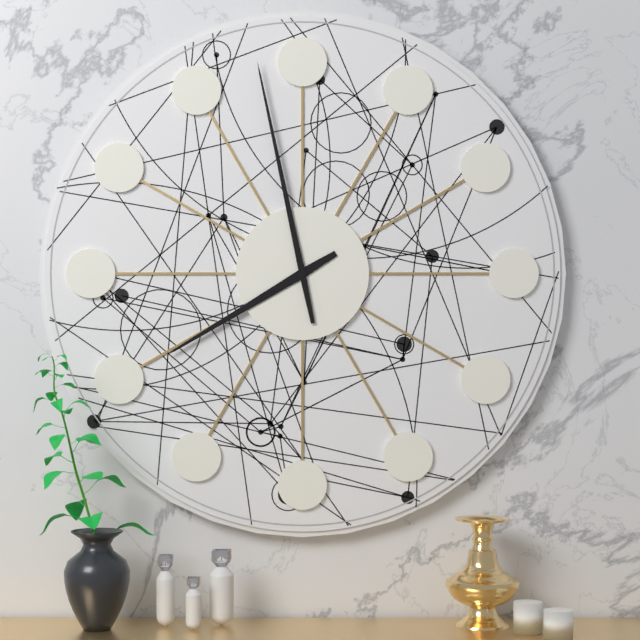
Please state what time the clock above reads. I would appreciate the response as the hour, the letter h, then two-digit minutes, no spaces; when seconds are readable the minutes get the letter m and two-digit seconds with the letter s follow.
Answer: 7h58
